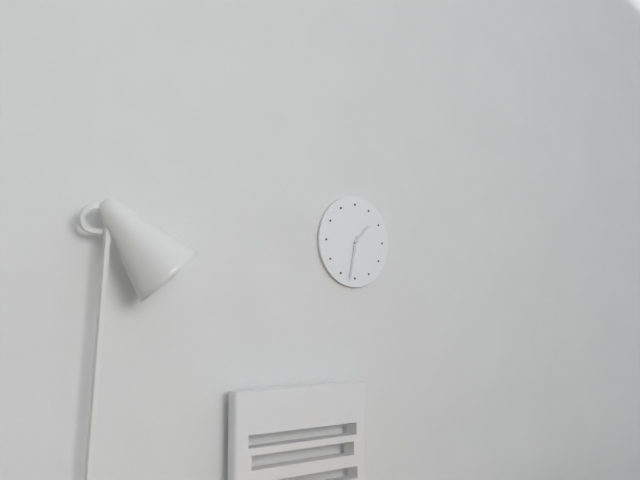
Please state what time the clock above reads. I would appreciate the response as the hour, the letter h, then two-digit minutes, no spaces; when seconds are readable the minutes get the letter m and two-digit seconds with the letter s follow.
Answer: 1h32
